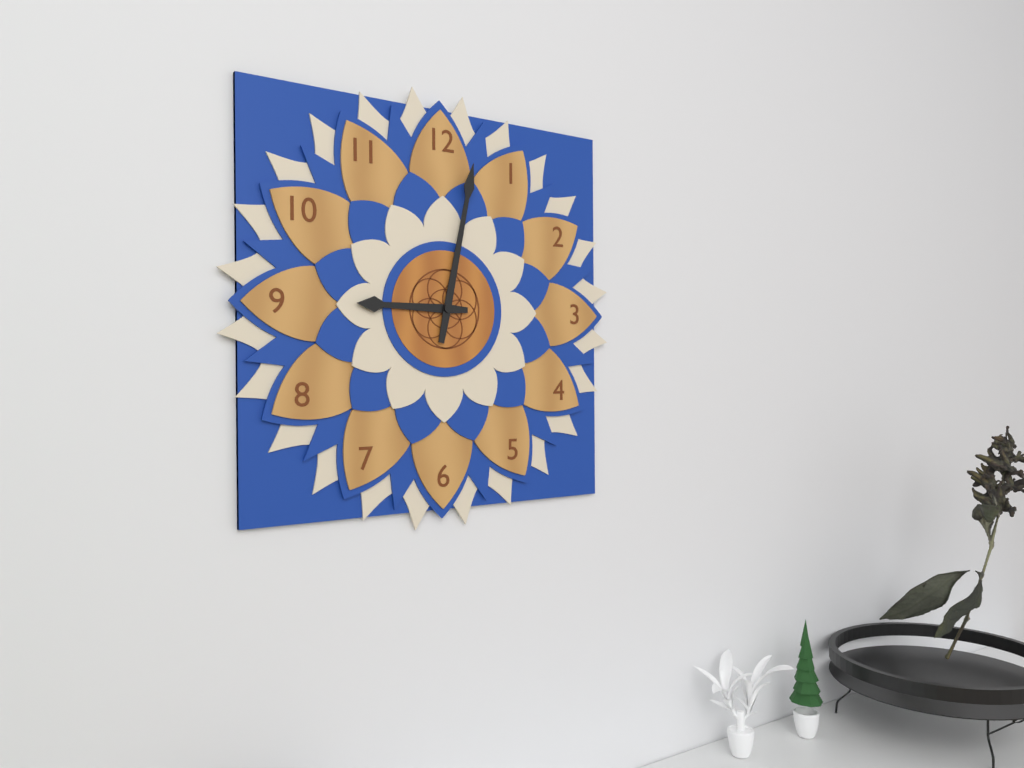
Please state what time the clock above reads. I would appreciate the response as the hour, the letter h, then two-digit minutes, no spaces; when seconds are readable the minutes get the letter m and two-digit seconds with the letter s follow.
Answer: 9h02
